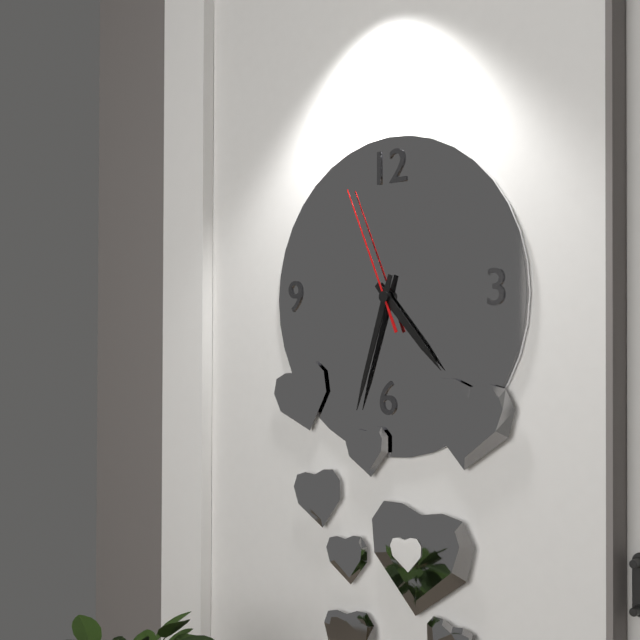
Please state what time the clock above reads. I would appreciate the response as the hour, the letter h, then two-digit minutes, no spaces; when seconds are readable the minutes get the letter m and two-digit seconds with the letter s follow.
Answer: 4h33m56s
